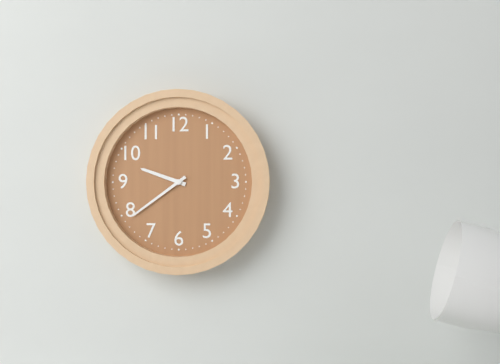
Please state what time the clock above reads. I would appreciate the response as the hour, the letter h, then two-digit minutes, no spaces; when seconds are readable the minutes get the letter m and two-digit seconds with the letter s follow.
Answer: 9h39
